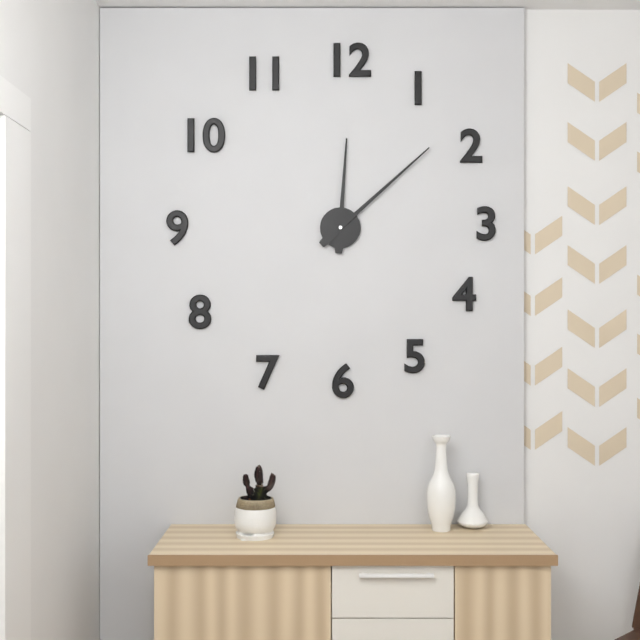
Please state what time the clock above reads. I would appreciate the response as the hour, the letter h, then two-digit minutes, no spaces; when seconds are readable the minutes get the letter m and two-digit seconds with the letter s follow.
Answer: 12h08
